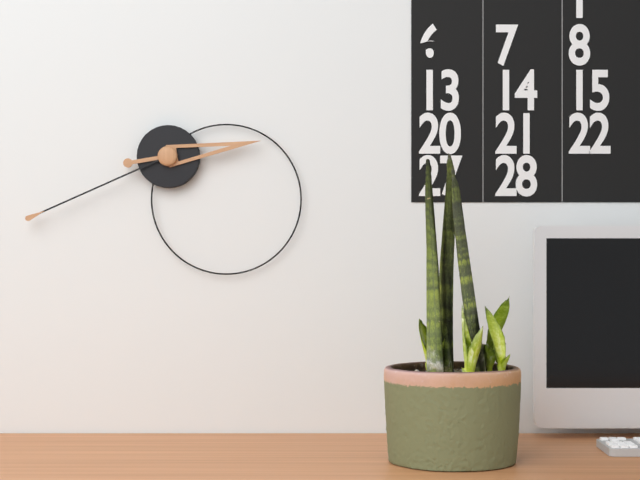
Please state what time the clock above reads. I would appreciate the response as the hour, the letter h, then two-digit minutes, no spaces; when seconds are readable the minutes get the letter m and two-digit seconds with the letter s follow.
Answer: 2h41
